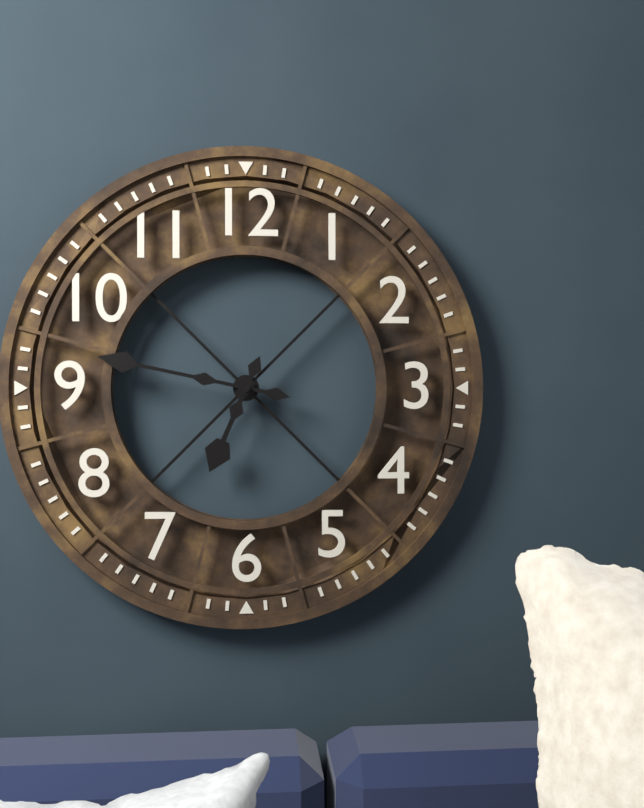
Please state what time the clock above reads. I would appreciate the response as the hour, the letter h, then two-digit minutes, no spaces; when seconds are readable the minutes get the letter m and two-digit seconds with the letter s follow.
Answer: 6h47
